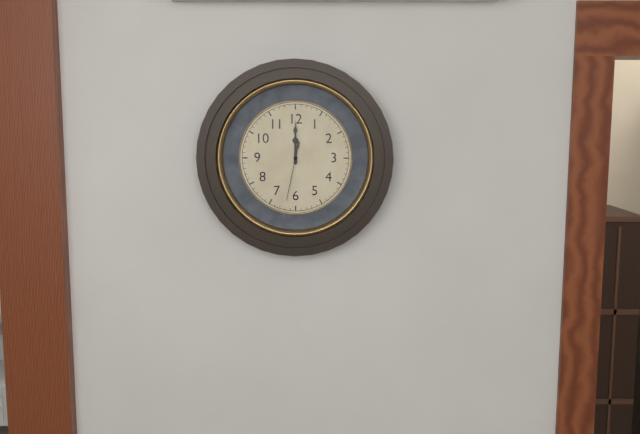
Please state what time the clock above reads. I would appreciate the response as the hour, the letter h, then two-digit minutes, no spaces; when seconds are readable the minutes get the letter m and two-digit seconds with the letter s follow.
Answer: 12h00m32s
